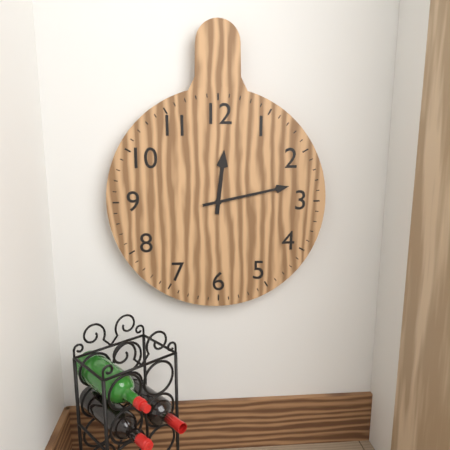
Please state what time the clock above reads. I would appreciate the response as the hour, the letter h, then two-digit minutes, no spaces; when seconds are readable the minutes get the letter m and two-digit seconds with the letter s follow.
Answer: 12h13
